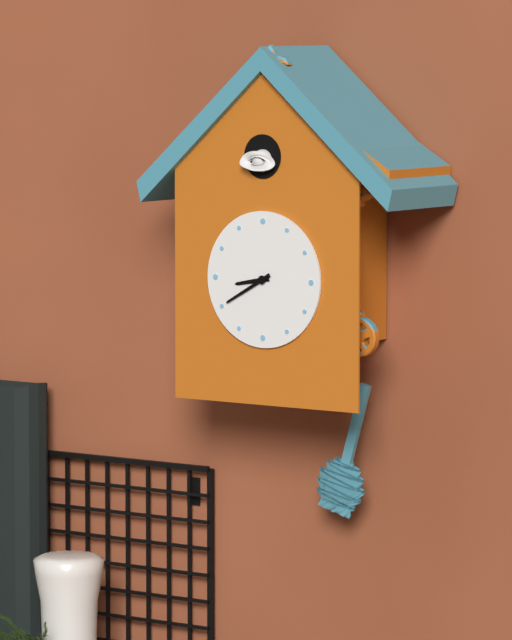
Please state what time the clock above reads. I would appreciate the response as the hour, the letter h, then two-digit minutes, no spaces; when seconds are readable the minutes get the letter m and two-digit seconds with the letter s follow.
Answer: 8h40
